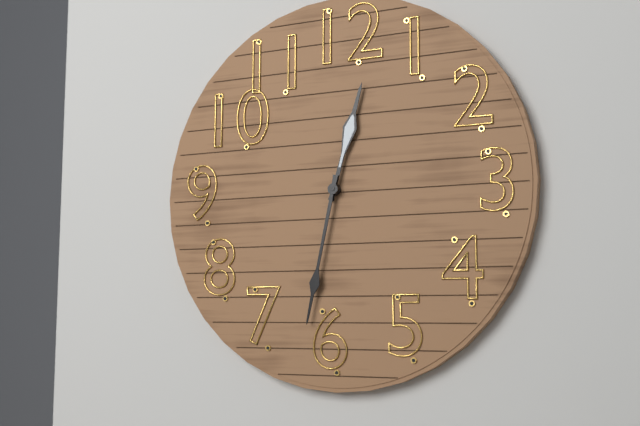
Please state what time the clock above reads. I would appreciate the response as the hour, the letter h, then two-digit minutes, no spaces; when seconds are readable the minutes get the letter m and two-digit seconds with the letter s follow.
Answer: 12h32
